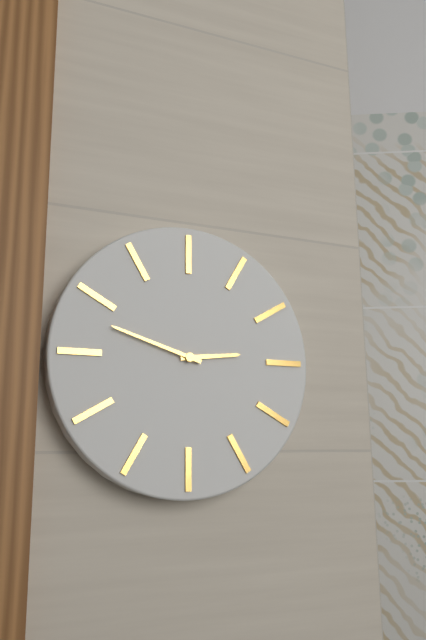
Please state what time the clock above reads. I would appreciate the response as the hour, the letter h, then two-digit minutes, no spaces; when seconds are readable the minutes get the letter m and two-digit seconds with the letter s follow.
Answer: 2h48
